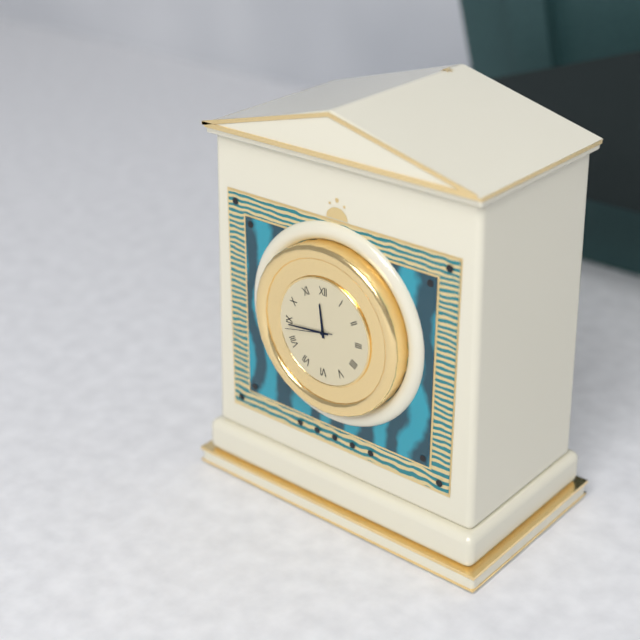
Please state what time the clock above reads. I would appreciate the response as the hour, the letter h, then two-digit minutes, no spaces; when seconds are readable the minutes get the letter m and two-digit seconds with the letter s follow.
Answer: 11h44
